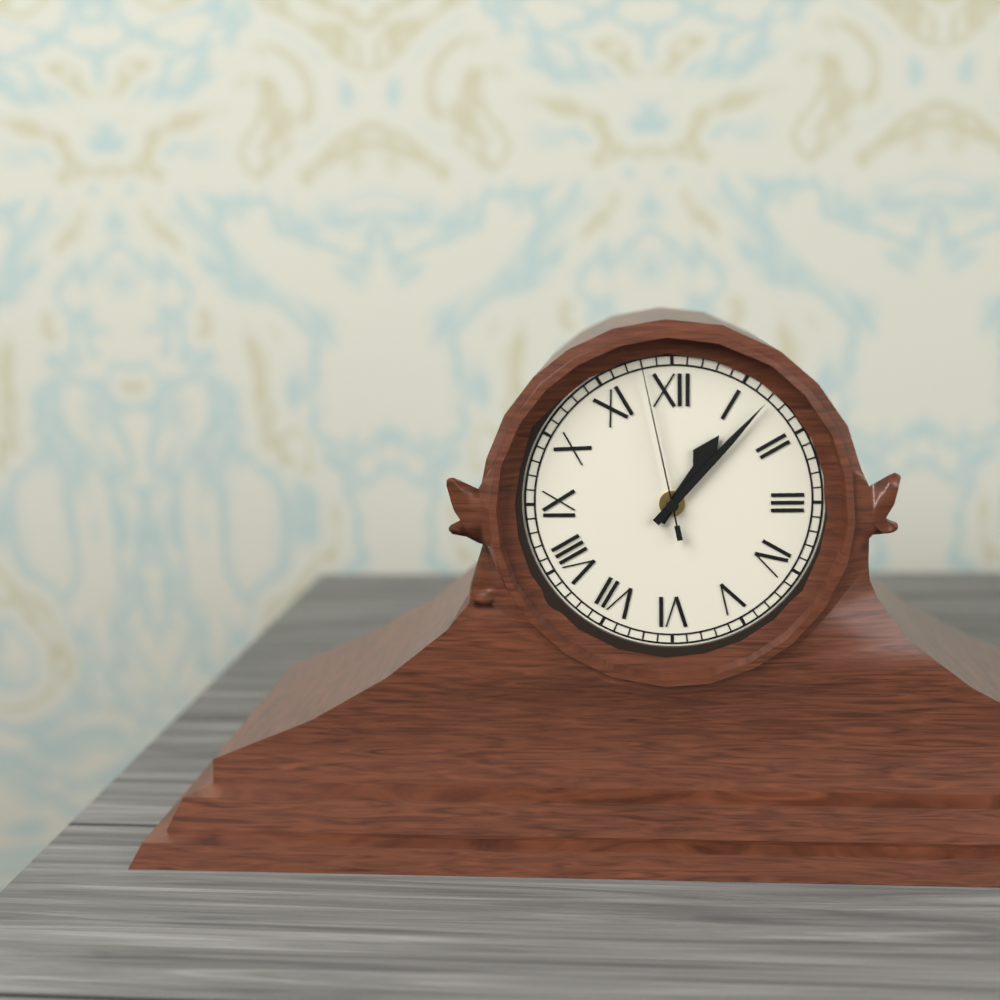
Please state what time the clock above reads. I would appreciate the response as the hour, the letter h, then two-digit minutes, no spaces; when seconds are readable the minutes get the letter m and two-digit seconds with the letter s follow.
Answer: 1h07m58s
